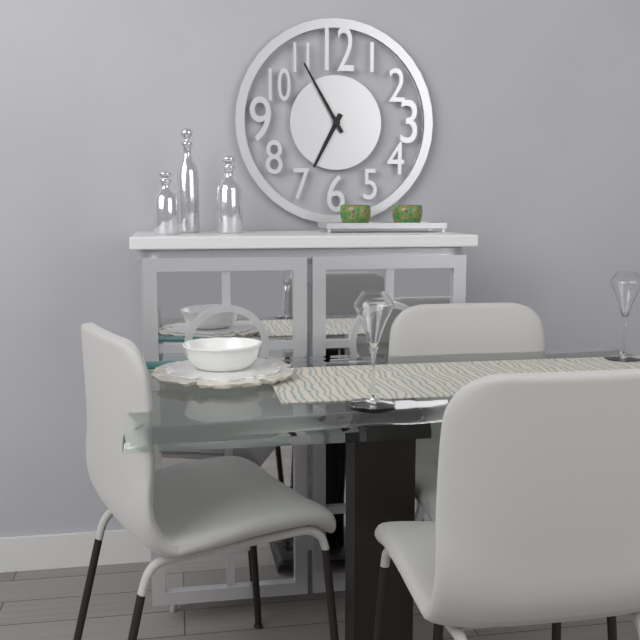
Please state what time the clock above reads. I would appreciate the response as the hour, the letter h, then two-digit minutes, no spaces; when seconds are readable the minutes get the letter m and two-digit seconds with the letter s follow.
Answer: 6h55
